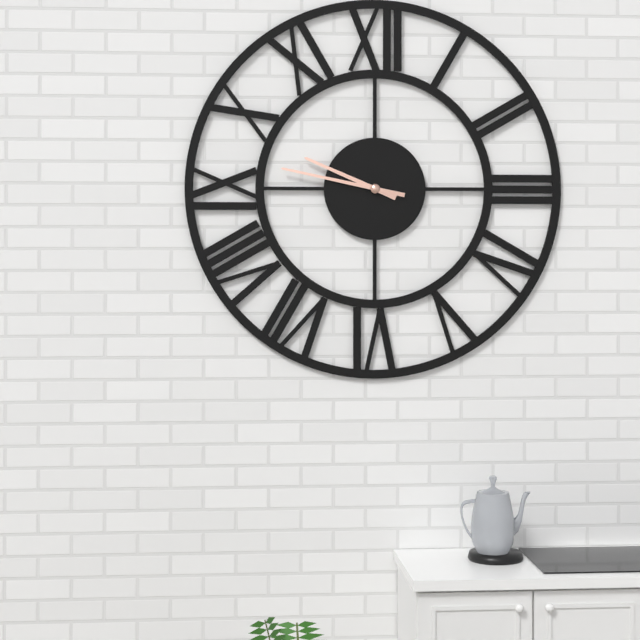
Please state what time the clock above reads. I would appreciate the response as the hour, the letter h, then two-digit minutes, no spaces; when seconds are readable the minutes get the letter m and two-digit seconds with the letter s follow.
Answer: 9h47
